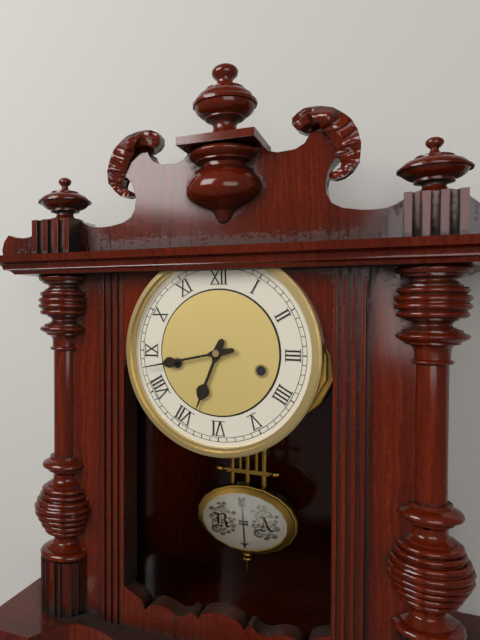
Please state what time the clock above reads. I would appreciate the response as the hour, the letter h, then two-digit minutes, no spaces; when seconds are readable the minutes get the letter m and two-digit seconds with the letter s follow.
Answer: 6h43
